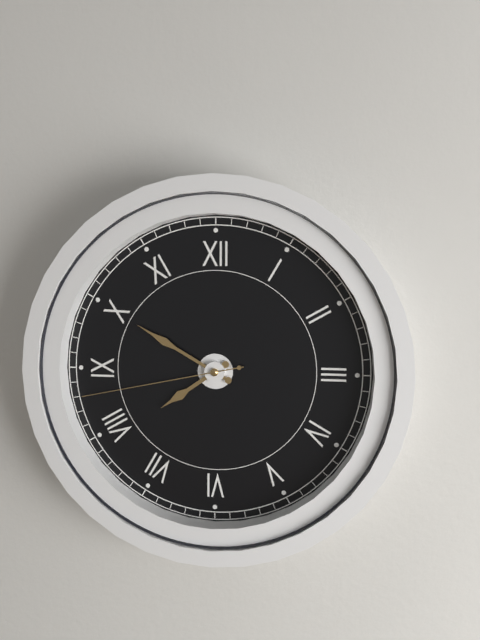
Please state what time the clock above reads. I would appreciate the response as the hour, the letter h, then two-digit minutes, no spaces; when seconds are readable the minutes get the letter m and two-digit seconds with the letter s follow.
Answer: 7h50m43s
